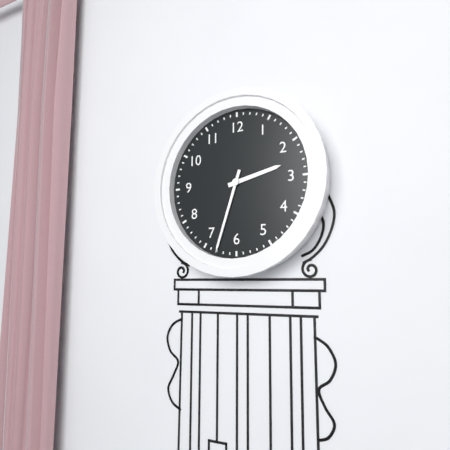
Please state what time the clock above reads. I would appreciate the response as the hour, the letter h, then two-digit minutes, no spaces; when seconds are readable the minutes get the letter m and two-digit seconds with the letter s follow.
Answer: 2h33
